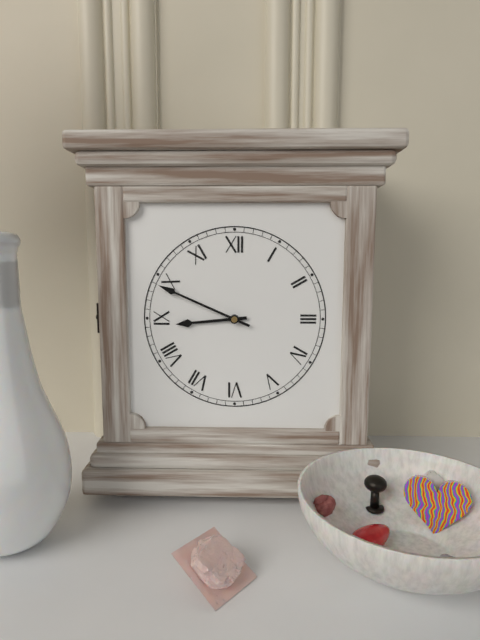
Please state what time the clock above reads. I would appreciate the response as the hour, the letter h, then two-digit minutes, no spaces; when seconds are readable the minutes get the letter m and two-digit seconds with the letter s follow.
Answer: 8h49
